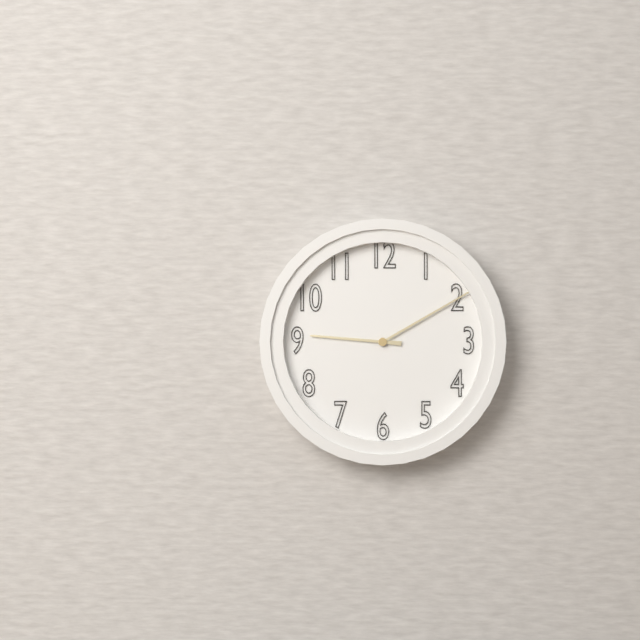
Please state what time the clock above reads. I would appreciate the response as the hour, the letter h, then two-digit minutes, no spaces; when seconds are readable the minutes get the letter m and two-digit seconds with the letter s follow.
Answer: 9h10
